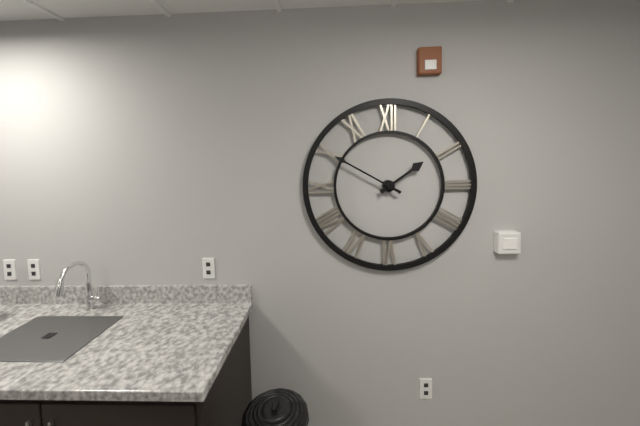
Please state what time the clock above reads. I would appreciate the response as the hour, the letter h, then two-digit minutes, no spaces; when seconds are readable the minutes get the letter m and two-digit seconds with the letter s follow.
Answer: 1h50
